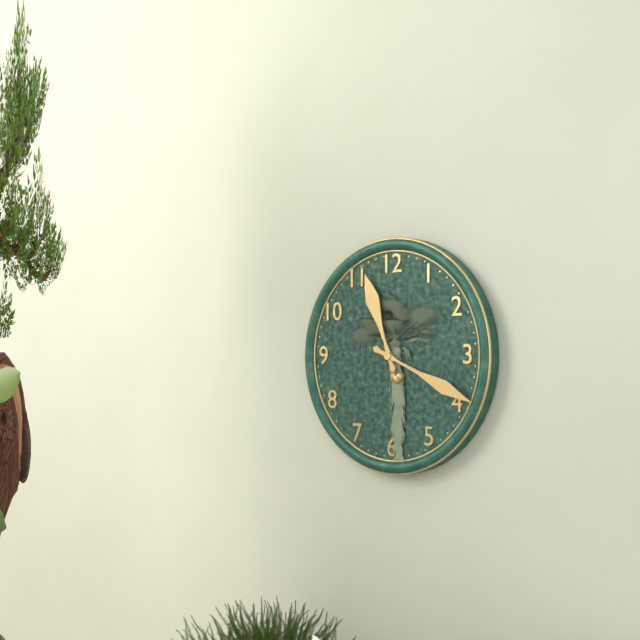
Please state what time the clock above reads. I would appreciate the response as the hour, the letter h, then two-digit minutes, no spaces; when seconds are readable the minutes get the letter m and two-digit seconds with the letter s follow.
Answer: 11h19
